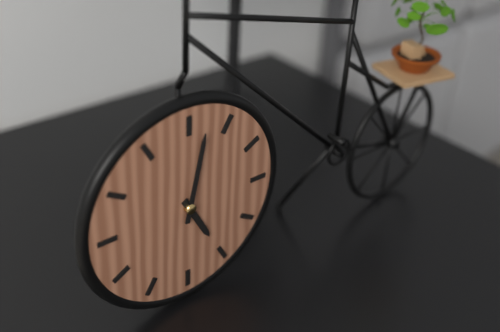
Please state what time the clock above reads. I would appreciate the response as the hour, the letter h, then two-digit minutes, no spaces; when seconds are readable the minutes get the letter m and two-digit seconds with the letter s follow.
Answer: 5h02
